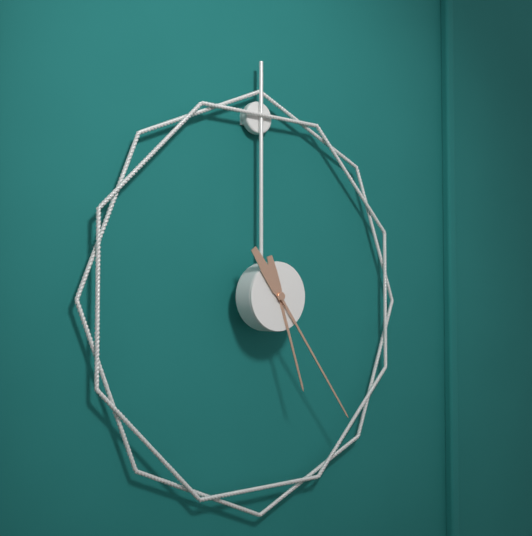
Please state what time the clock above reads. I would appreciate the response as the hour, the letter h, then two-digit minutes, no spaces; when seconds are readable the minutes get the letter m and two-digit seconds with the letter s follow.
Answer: 5h24
